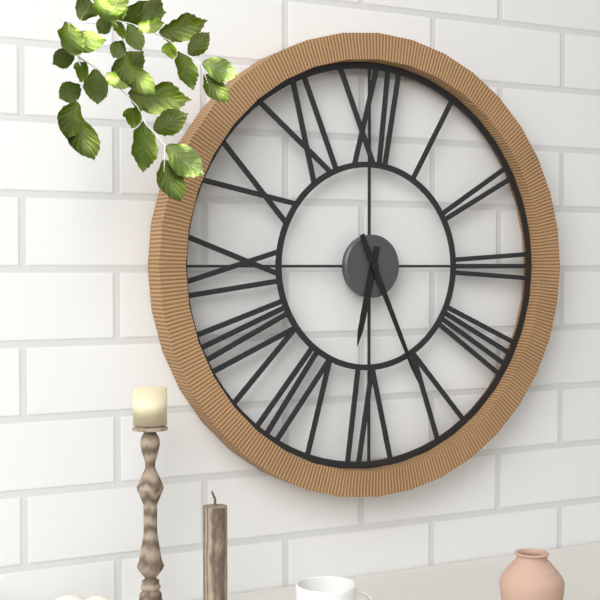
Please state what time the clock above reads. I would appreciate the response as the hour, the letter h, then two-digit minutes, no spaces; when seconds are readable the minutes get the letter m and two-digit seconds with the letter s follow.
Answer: 6h26
